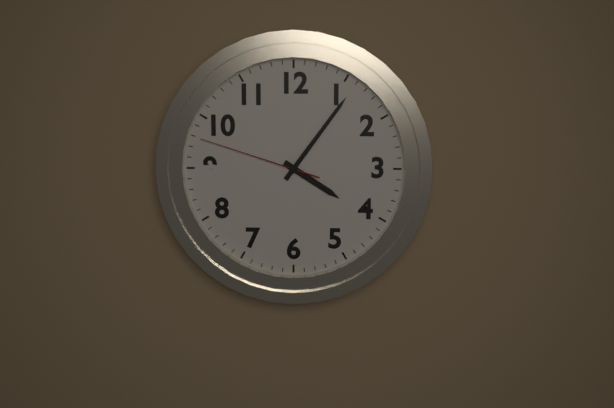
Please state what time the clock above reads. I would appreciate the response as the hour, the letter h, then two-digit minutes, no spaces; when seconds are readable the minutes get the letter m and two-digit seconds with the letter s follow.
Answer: 4h06m48s
